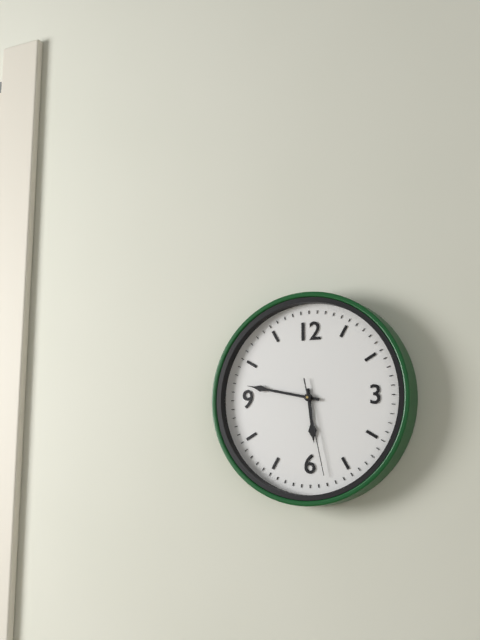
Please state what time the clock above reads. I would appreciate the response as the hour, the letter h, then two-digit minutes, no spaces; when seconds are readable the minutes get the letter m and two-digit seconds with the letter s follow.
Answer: 5h47m28s
